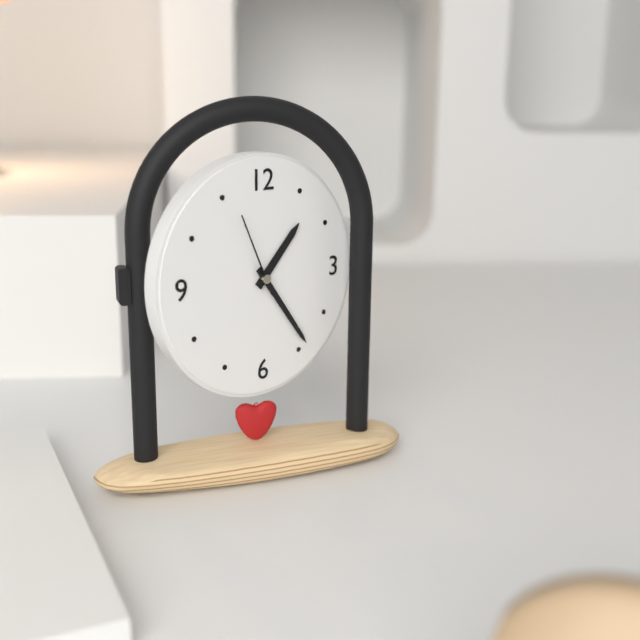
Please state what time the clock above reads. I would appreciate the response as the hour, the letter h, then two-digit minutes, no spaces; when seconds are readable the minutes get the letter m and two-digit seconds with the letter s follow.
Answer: 1h24m56s
